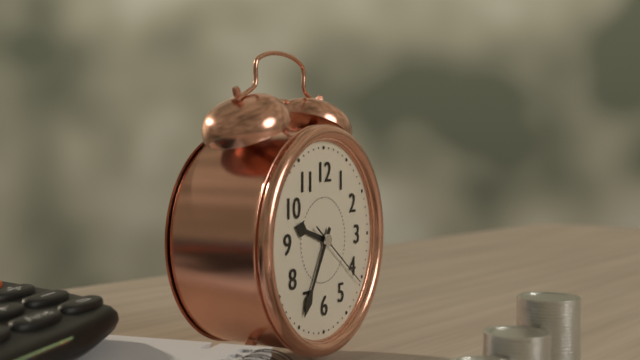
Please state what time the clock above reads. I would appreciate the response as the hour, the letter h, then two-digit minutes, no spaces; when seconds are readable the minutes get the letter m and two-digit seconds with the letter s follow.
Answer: 9h35m21s
